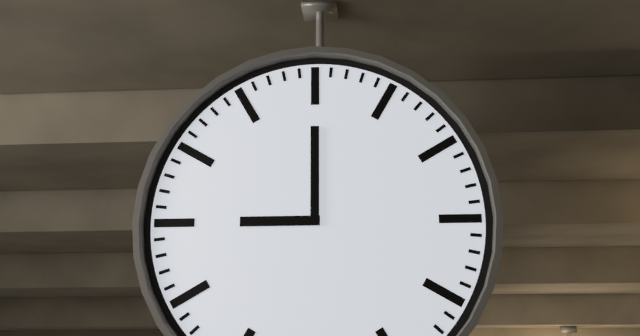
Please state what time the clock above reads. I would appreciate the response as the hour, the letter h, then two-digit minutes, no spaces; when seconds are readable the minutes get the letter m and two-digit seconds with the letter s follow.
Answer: 9h00
